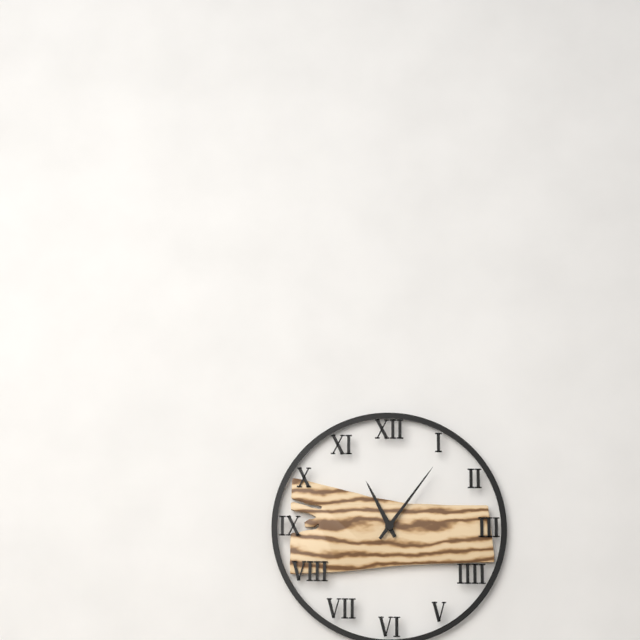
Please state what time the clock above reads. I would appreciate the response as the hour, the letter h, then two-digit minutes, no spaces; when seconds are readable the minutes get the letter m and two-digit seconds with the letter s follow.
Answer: 11h06
